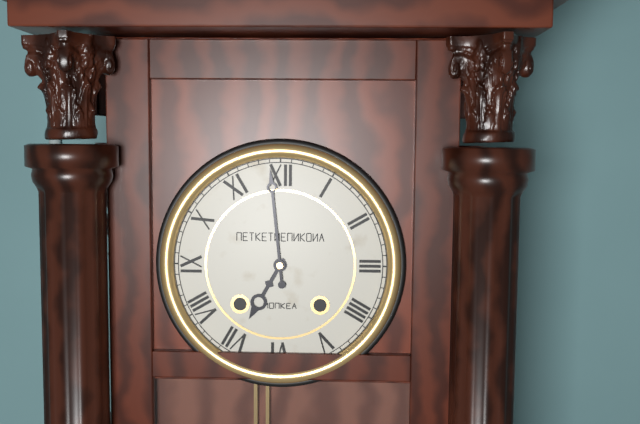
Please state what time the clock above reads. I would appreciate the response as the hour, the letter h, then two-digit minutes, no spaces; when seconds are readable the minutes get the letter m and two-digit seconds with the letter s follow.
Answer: 6h59
